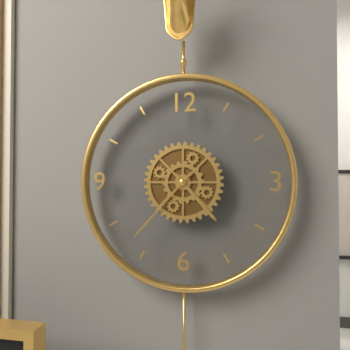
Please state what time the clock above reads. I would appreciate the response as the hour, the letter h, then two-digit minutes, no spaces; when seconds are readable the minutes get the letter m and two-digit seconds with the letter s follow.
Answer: 4h37
